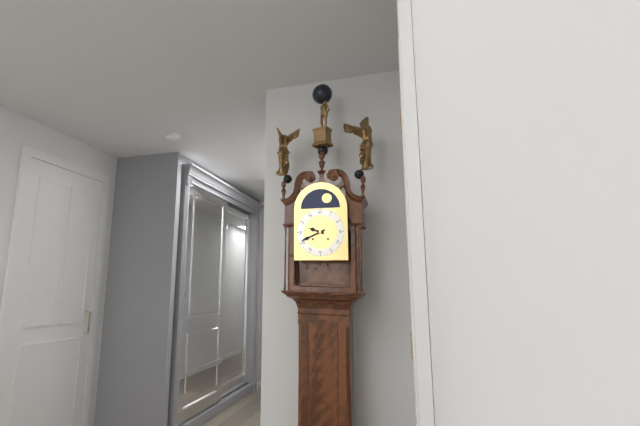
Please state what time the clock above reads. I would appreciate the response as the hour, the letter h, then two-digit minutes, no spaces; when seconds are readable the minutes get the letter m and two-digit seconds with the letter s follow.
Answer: 9h41
